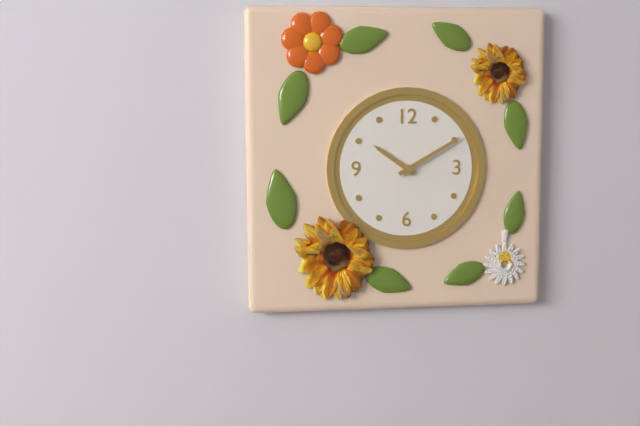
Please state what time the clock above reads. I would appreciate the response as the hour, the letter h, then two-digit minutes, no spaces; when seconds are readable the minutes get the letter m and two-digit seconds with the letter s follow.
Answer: 10h10
